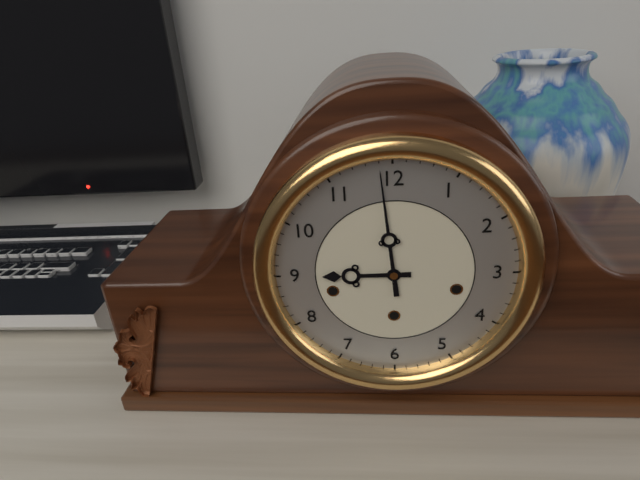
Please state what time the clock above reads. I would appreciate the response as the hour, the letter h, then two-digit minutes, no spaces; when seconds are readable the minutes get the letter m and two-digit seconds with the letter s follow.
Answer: 8h59
